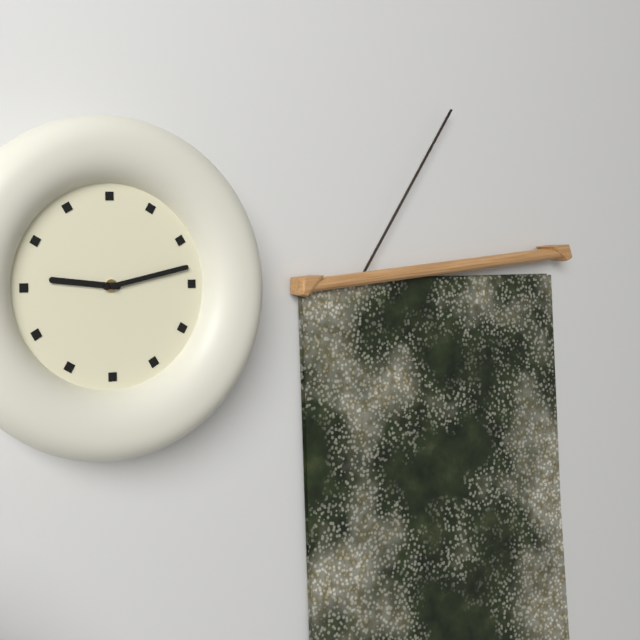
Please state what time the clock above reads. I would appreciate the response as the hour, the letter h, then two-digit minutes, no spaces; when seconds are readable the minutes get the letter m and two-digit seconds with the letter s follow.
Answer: 9h13
